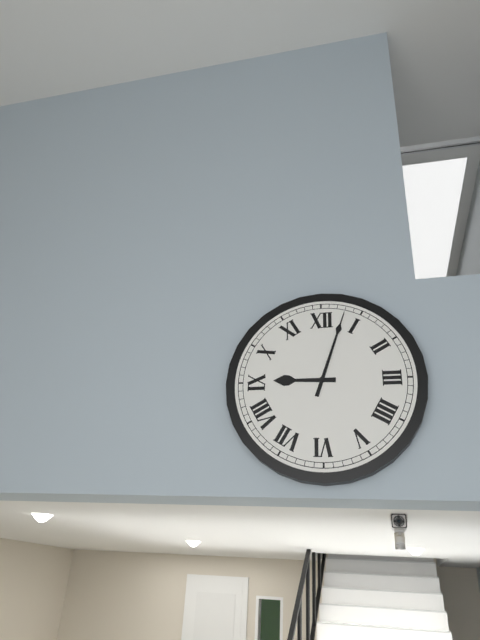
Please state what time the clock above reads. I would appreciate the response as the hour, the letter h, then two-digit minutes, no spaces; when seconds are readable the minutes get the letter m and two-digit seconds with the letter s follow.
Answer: 9h03
